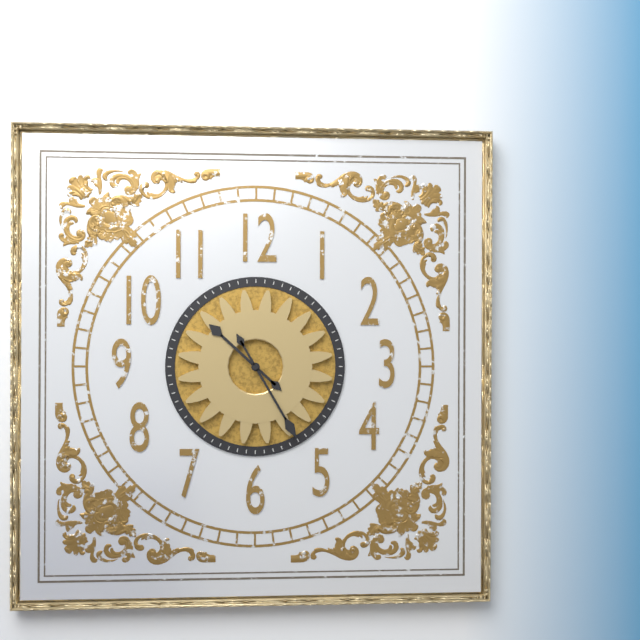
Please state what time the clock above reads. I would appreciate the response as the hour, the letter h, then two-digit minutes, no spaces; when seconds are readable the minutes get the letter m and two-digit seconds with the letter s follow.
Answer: 10h25
